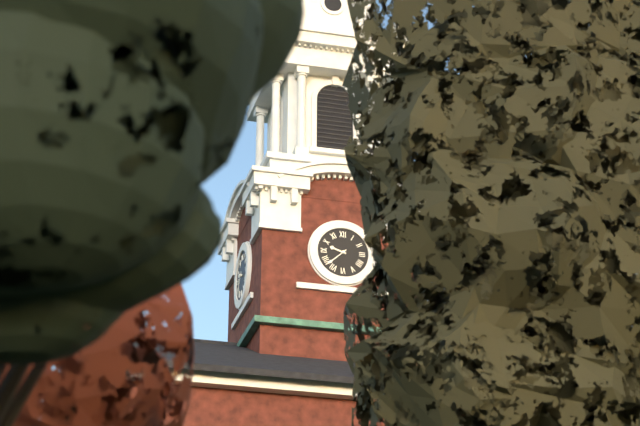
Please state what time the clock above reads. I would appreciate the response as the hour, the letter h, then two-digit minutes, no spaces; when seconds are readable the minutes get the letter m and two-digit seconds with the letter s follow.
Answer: 9h38
